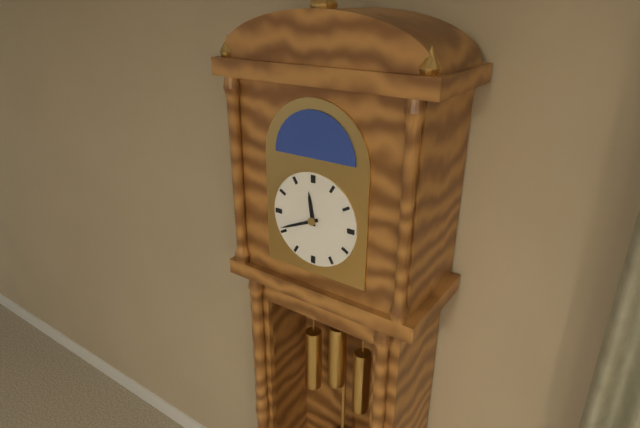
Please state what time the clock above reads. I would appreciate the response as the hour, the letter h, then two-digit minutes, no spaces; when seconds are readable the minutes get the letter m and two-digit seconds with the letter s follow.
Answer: 11h41
